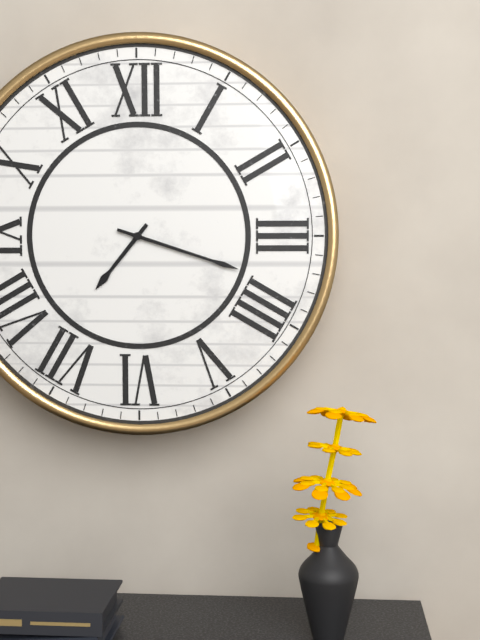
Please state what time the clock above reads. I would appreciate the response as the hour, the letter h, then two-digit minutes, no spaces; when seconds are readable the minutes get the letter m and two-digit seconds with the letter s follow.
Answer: 7h18
